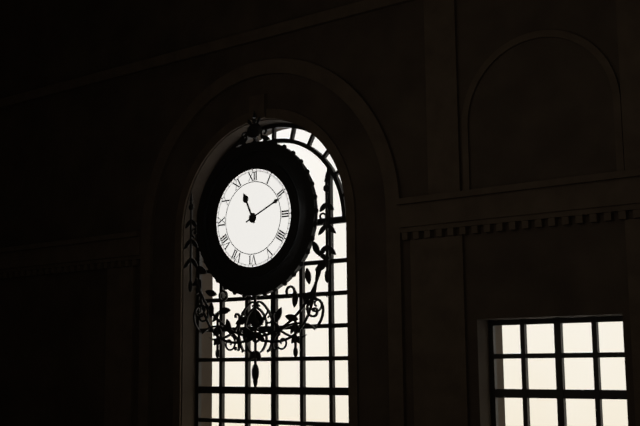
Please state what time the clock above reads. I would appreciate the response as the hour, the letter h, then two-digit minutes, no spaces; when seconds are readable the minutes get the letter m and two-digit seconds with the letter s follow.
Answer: 11h11
